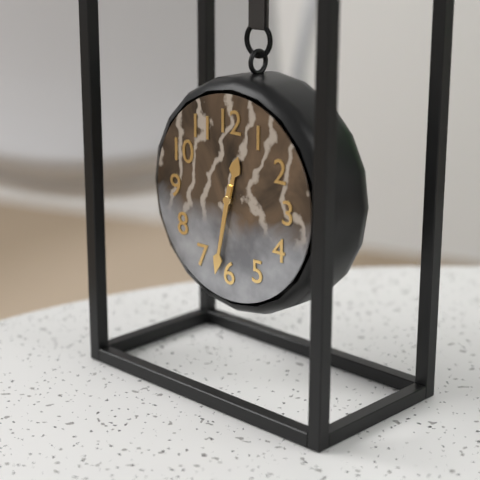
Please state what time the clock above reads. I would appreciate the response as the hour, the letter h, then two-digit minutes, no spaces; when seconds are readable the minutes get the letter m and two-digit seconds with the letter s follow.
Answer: 12h32
